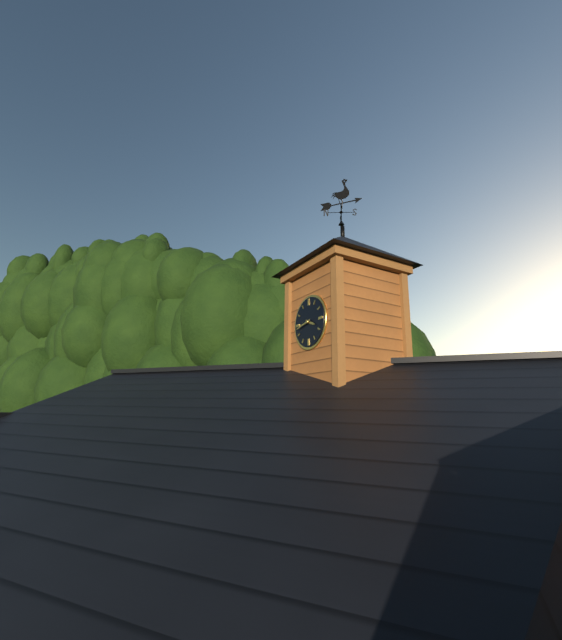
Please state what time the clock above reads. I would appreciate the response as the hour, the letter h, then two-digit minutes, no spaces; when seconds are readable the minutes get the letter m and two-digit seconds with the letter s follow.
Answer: 3h43
